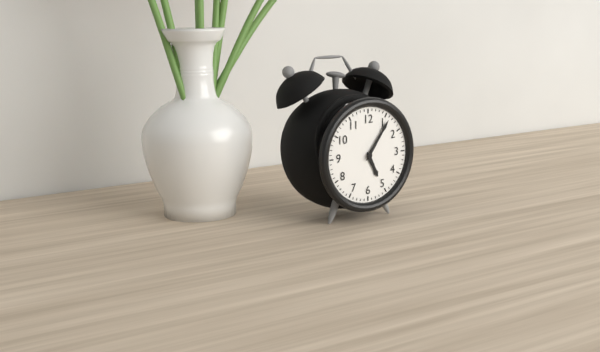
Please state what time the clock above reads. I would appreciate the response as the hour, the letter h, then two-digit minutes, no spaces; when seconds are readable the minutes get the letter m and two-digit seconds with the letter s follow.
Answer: 5h06
